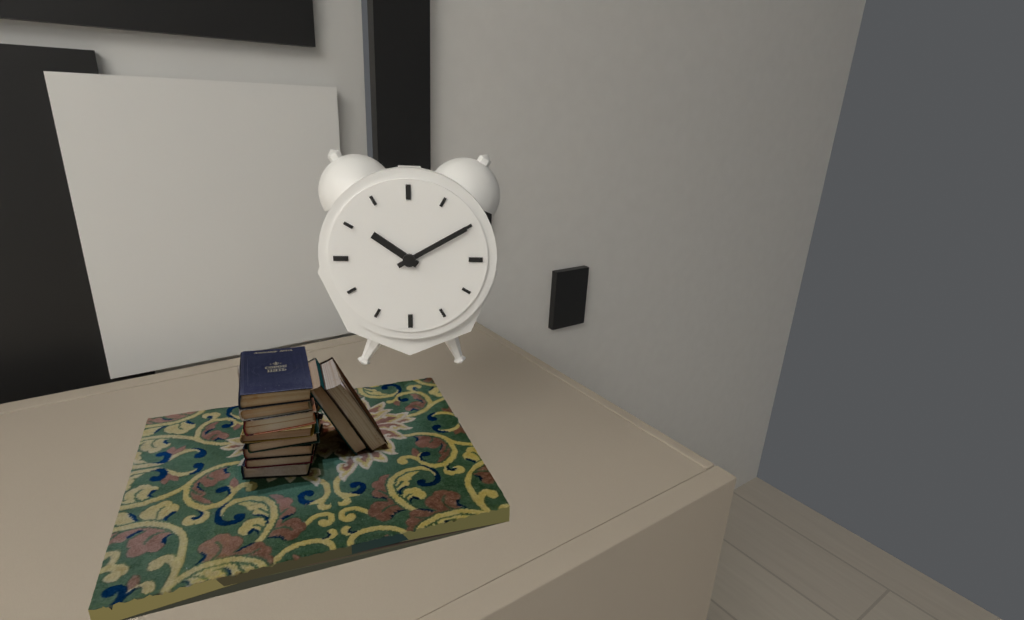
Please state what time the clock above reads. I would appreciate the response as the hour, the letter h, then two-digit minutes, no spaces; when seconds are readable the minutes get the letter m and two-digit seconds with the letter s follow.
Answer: 10h10
